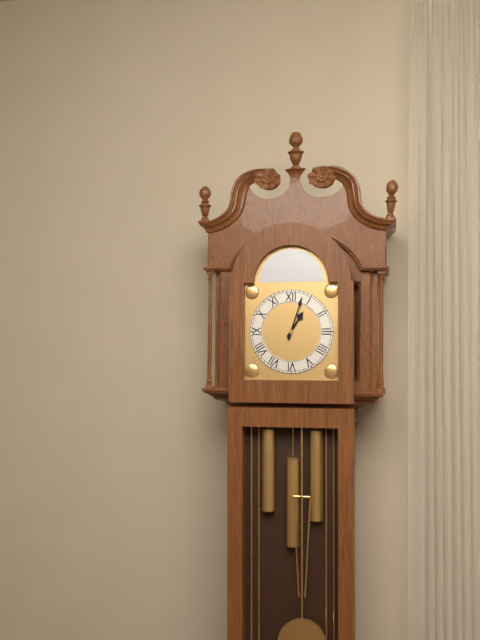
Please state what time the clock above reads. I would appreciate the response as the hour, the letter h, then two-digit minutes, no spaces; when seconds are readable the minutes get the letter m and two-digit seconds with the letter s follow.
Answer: 1h03
